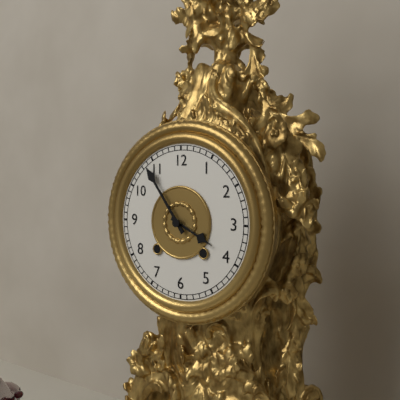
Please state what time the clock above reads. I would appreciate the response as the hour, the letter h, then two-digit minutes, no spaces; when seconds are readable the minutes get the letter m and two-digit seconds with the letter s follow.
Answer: 3h54
